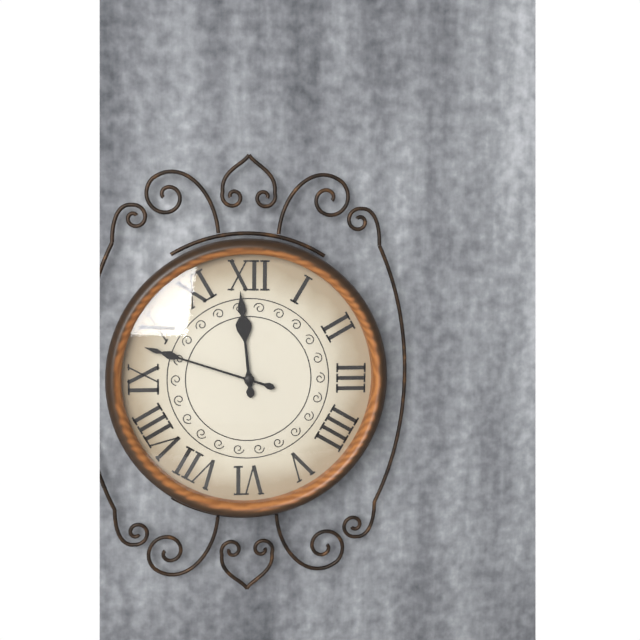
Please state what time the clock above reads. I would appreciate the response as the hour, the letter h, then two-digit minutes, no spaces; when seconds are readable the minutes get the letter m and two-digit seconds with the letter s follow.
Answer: 11h48
